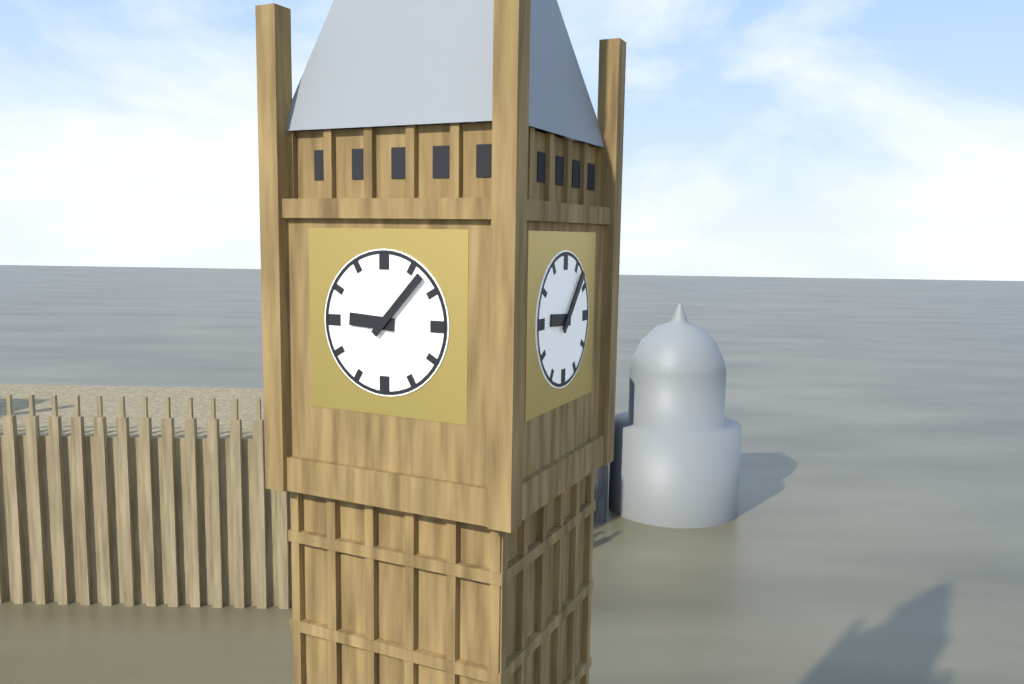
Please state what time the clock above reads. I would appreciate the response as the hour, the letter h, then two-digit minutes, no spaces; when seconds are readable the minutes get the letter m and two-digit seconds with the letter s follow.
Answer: 9h07
